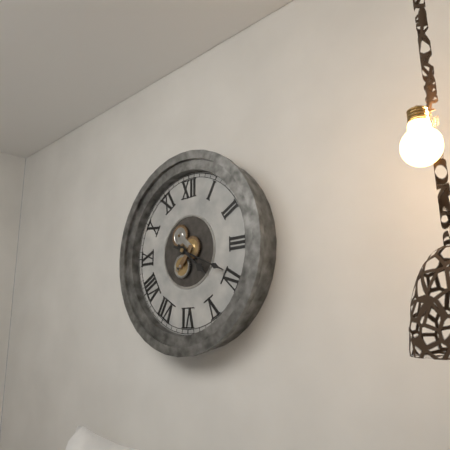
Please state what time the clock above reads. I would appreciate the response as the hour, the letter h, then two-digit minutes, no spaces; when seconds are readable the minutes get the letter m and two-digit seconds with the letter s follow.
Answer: 4h19
